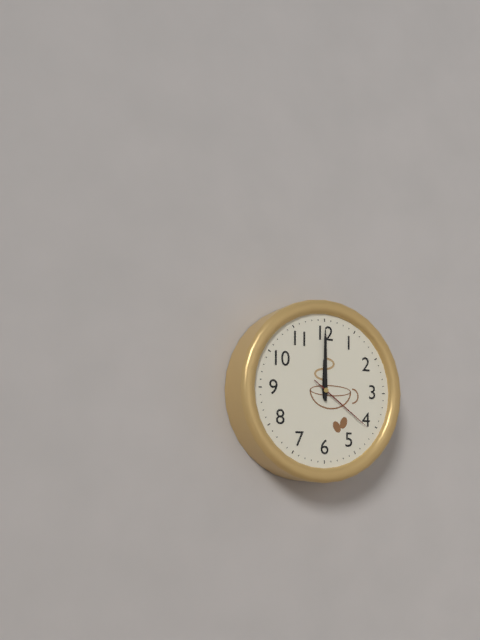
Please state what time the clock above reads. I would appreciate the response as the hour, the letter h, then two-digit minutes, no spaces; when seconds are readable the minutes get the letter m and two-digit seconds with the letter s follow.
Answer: 12h00m21s
